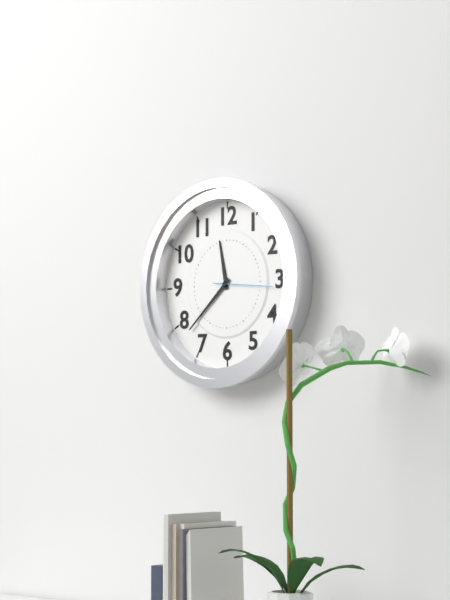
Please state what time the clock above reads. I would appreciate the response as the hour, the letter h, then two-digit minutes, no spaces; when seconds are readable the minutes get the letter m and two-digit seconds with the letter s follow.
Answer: 11h38m16s
